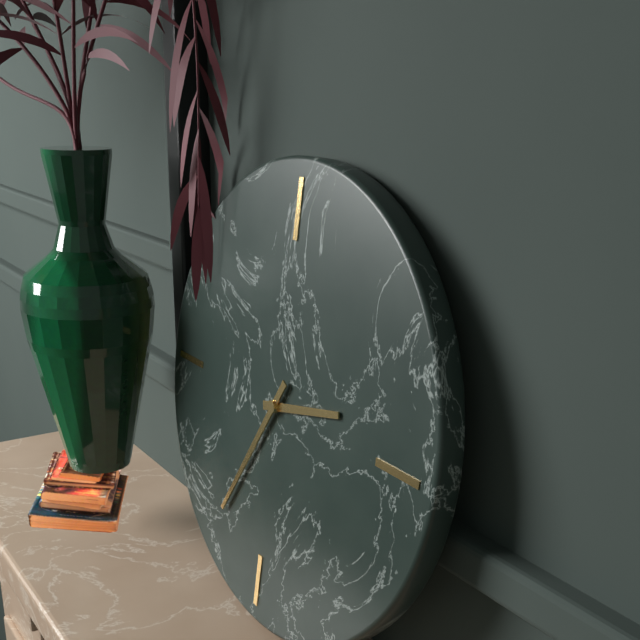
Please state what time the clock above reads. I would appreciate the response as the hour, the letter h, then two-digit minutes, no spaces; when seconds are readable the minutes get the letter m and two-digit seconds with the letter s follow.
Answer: 2h35
